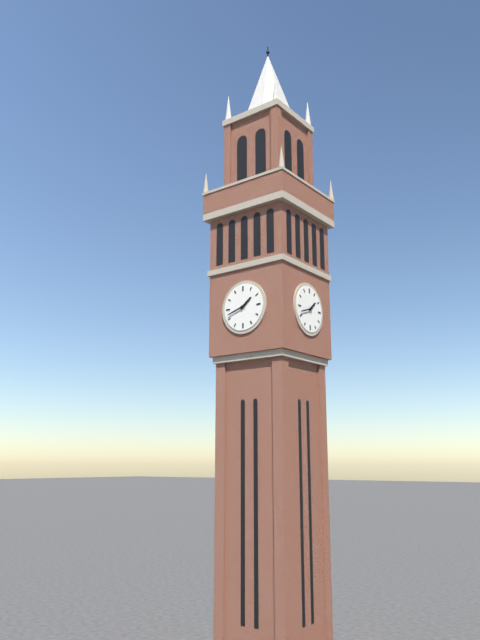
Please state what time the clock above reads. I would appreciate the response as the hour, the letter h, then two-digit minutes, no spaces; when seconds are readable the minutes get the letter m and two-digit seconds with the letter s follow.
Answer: 1h42
